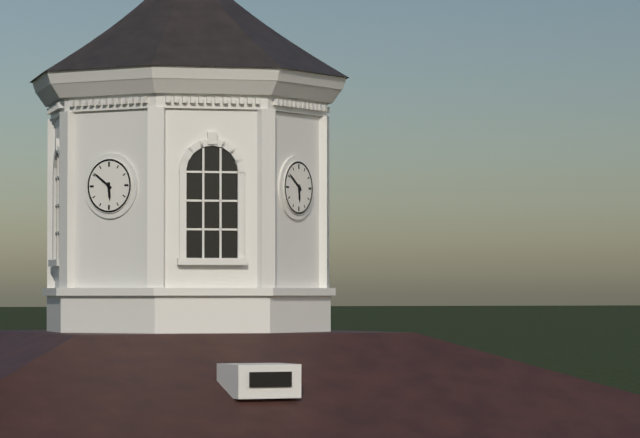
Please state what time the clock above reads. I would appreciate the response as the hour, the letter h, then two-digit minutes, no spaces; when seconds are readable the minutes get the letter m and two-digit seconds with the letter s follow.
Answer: 5h51
